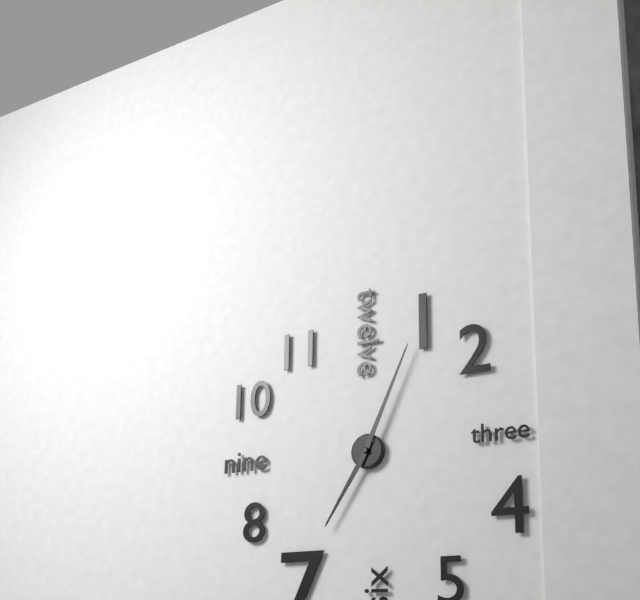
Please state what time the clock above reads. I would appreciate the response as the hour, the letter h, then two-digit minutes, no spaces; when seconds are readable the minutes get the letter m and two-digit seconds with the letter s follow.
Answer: 7h04
